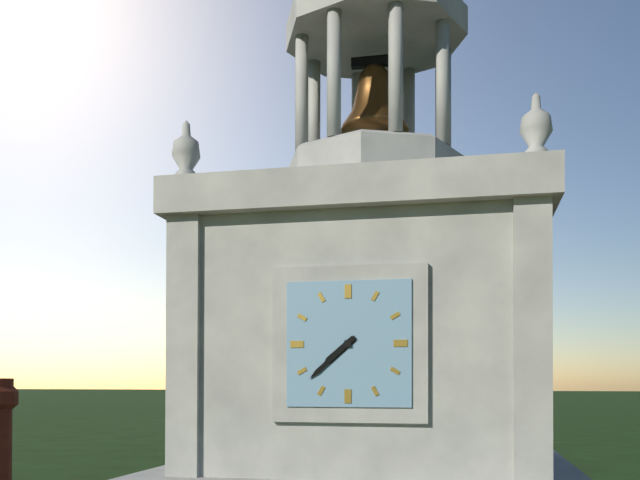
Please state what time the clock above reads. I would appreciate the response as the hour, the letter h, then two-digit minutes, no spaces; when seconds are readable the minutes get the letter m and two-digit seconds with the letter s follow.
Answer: 7h38
